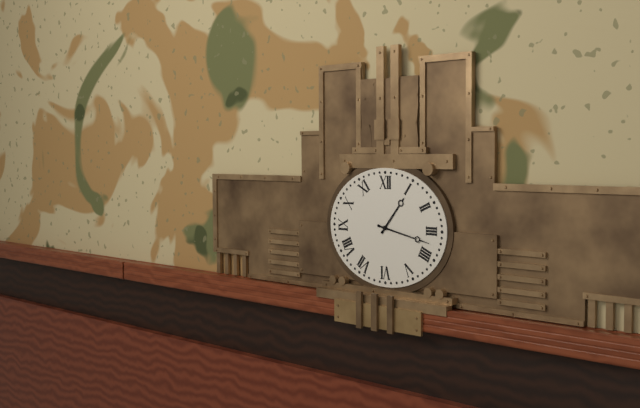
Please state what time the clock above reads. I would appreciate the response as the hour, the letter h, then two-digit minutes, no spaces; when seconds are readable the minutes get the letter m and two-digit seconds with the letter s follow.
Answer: 1h17
